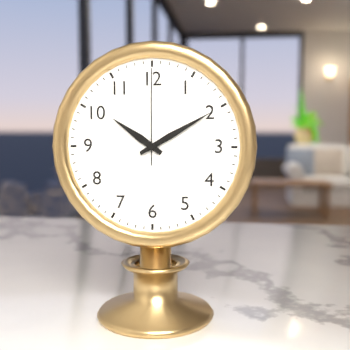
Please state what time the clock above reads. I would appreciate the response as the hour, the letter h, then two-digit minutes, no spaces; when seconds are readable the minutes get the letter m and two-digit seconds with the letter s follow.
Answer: 10h10m00s
